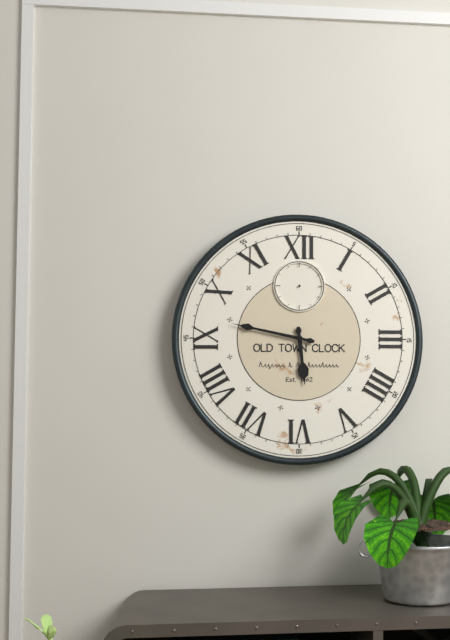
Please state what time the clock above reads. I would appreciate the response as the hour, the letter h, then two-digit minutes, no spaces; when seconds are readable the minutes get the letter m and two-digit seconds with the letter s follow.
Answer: 5h47
